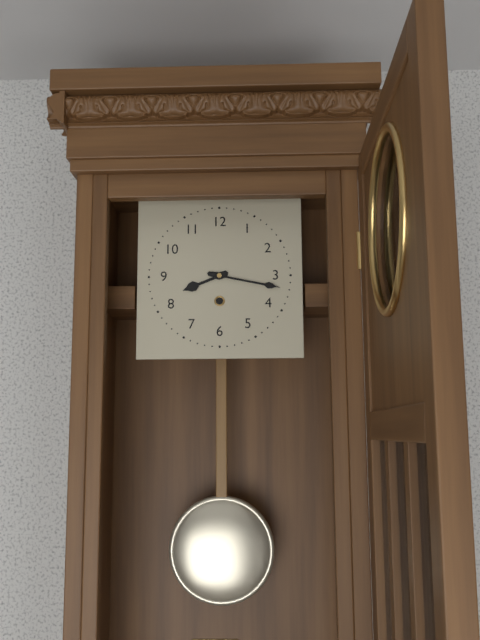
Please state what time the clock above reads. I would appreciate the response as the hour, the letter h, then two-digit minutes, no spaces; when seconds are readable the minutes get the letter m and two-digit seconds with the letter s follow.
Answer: 8h17
